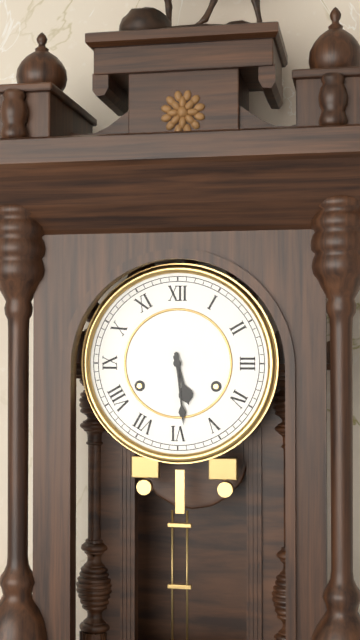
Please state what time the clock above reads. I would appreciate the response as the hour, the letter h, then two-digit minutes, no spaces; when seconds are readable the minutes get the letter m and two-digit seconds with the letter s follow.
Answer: 5h29
